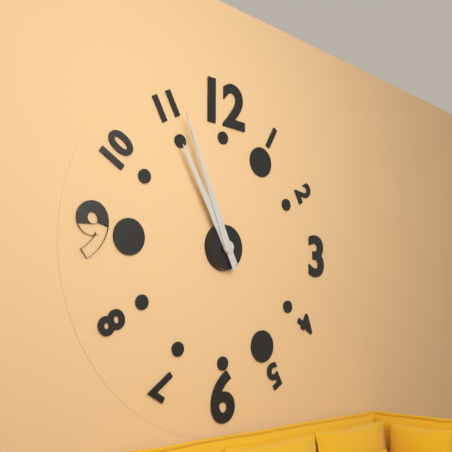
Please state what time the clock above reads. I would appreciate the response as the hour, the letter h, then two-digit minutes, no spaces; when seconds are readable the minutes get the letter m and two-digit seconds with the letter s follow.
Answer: 10h56
